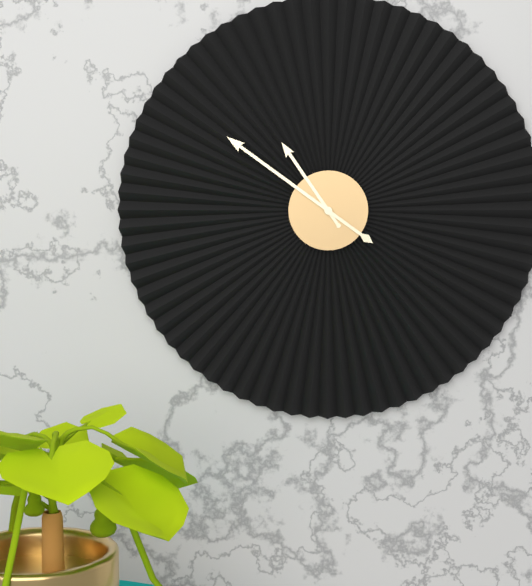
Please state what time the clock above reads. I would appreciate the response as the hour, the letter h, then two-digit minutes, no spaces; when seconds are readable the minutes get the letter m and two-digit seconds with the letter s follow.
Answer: 10h51
